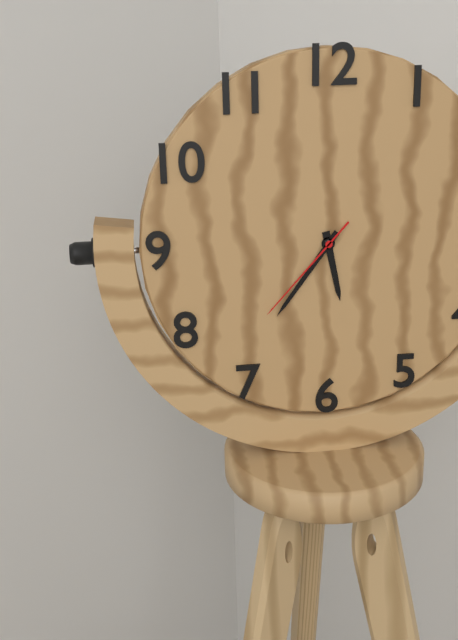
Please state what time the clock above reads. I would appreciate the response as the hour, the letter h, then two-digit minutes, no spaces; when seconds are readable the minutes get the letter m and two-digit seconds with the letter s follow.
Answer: 5h36m37s
